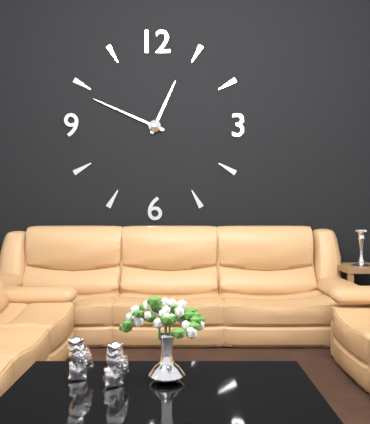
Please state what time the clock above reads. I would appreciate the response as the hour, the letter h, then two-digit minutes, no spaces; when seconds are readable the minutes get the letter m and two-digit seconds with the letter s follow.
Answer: 12h49
